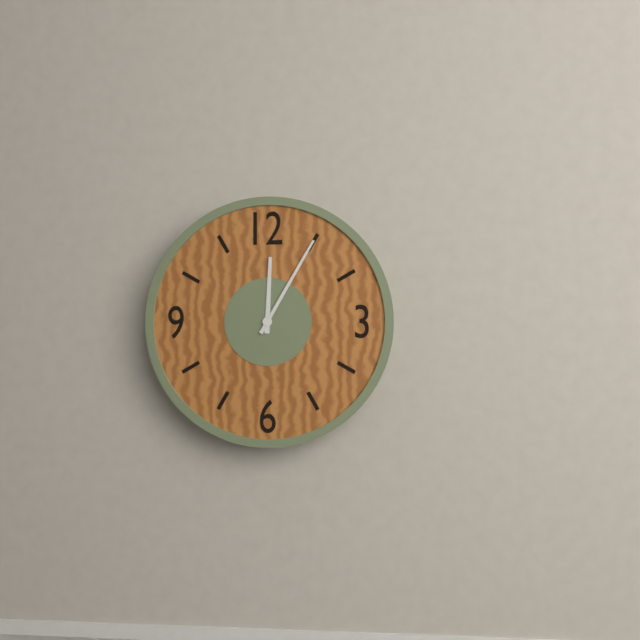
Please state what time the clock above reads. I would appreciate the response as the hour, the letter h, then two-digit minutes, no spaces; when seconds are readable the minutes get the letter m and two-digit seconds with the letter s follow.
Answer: 12h05
